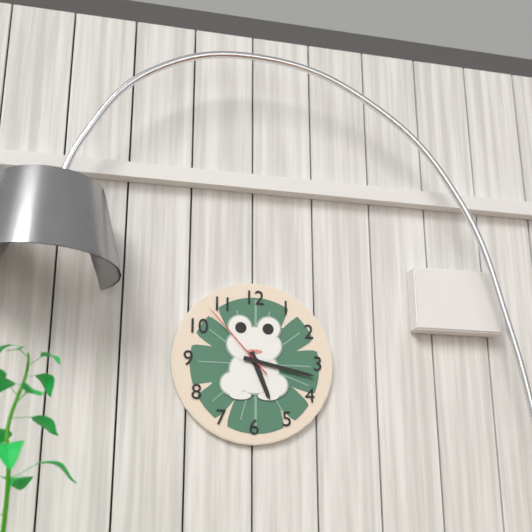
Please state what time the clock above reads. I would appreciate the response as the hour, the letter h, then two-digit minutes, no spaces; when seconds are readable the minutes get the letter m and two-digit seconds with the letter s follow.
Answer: 5h17m53s
